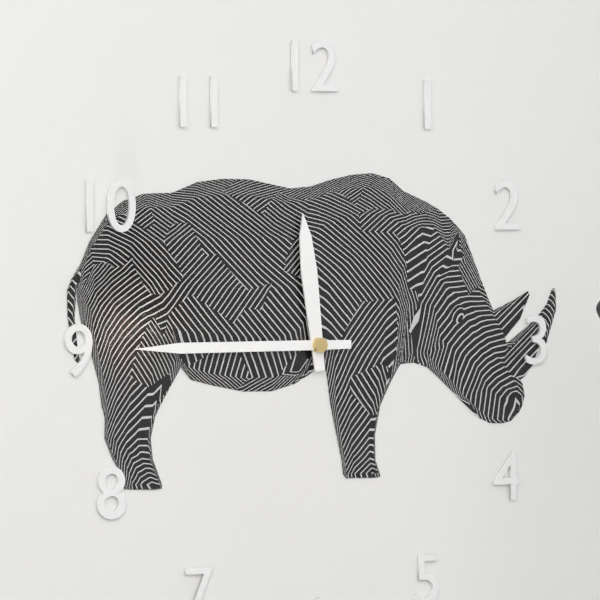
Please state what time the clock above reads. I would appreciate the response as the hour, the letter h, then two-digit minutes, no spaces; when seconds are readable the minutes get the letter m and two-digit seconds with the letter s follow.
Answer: 11h45
